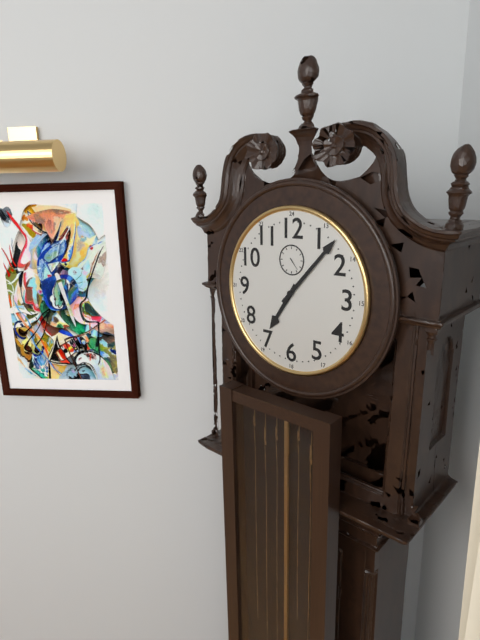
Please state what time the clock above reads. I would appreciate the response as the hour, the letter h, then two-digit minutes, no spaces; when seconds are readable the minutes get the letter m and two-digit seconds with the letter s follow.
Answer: 7h07
